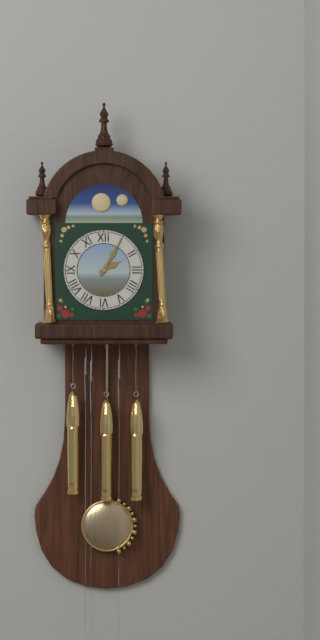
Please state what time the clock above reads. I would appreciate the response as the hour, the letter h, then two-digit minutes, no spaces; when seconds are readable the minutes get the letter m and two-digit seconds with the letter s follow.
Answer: 2h05
